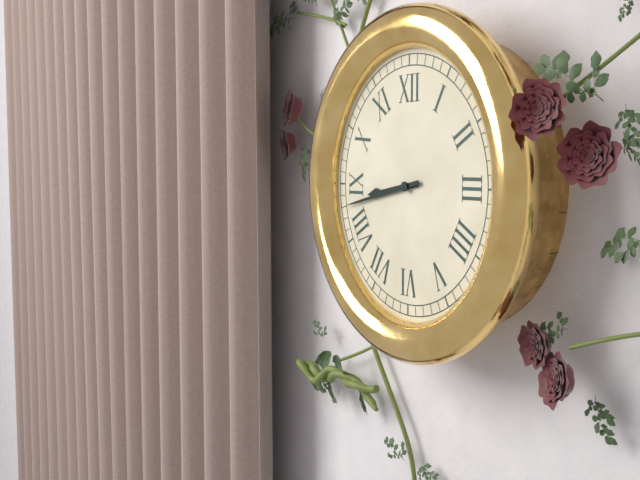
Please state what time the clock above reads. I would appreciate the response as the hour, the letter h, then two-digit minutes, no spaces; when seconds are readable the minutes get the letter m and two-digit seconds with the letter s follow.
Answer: 8h43
